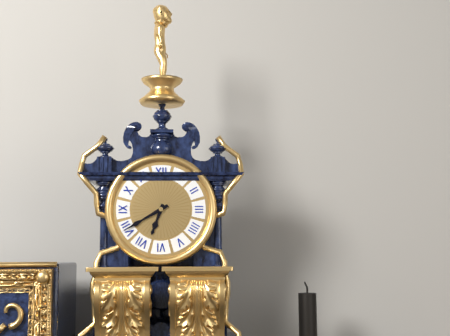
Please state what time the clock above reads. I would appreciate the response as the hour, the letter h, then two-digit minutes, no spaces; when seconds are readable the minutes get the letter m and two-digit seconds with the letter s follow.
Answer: 6h40
